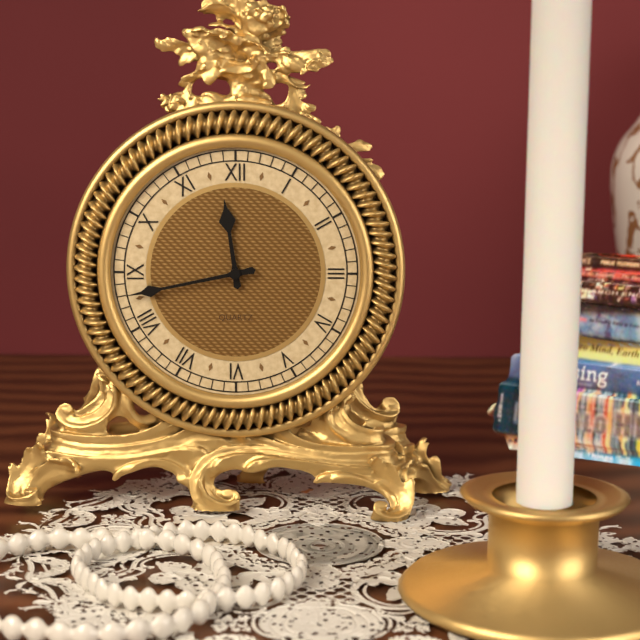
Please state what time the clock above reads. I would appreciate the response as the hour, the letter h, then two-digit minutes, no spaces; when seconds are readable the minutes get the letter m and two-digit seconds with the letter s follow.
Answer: 11h43
